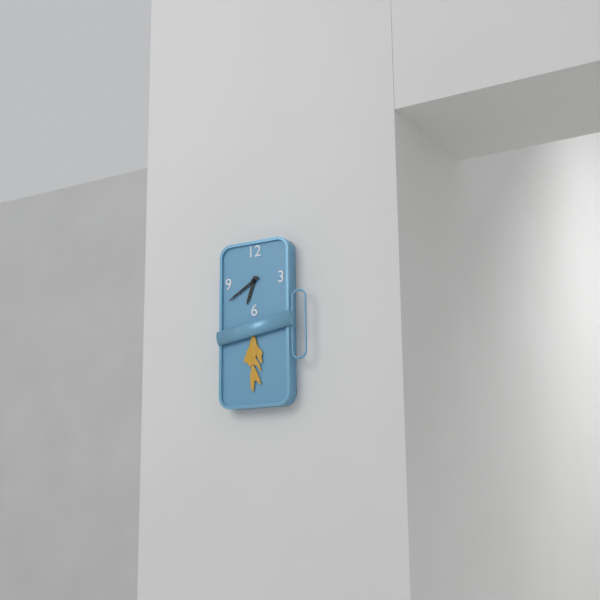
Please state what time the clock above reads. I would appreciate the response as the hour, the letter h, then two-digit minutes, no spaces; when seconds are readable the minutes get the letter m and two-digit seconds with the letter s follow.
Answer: 6h40
